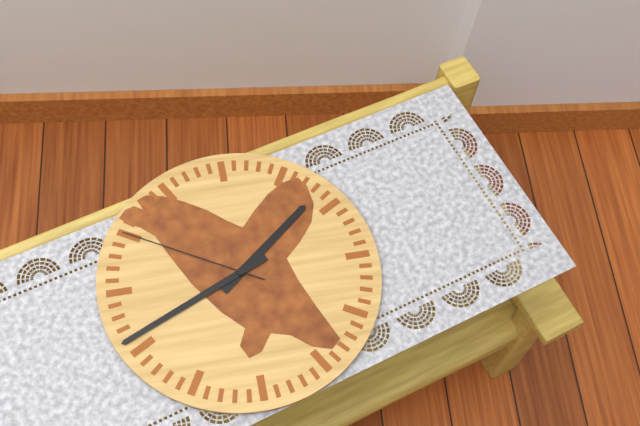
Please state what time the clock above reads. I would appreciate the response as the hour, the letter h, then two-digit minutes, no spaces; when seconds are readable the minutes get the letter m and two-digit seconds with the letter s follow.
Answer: 1h41m50s
